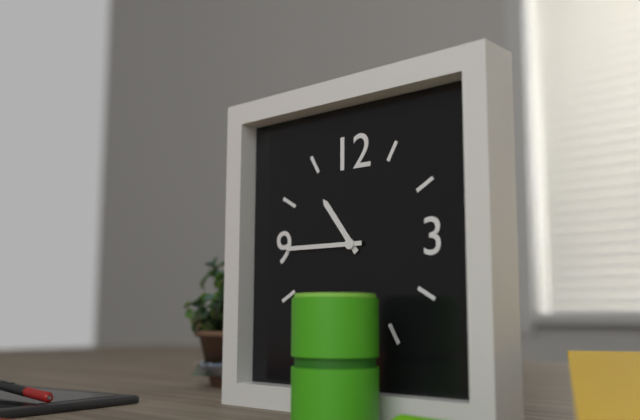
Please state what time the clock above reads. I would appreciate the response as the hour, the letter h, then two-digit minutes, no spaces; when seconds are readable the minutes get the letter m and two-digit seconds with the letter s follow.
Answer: 10h45
